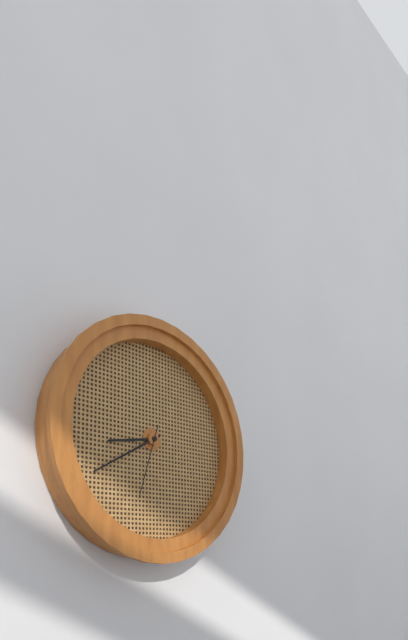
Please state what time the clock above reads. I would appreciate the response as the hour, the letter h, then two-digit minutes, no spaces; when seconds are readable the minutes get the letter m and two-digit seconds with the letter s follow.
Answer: 8h40m33s
